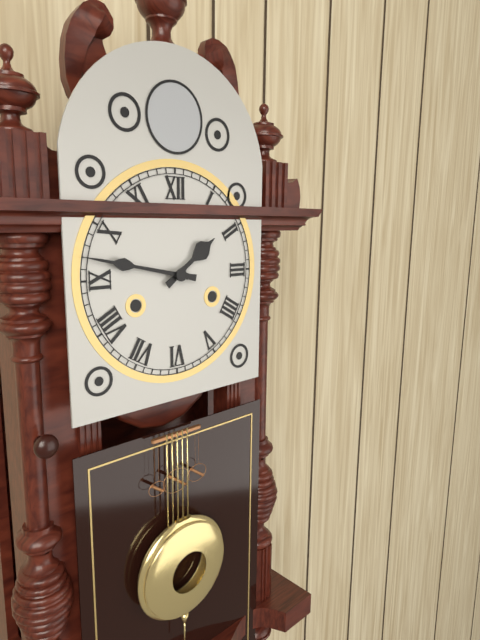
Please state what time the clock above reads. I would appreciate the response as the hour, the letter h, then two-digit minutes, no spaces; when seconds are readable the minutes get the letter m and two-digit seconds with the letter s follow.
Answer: 1h47
